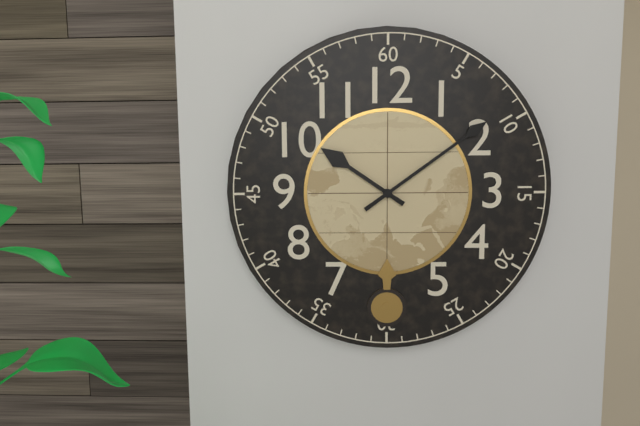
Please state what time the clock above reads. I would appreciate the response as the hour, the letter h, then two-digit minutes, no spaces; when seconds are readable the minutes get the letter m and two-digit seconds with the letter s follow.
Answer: 10h09
